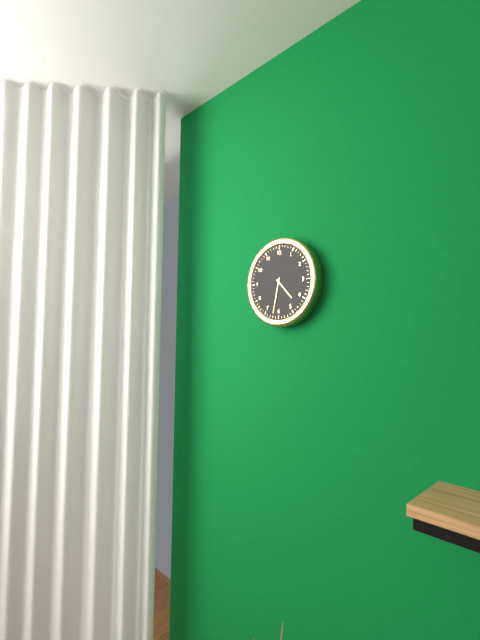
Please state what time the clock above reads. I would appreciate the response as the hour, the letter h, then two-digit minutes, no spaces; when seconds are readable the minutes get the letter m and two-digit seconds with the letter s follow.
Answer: 4h32
